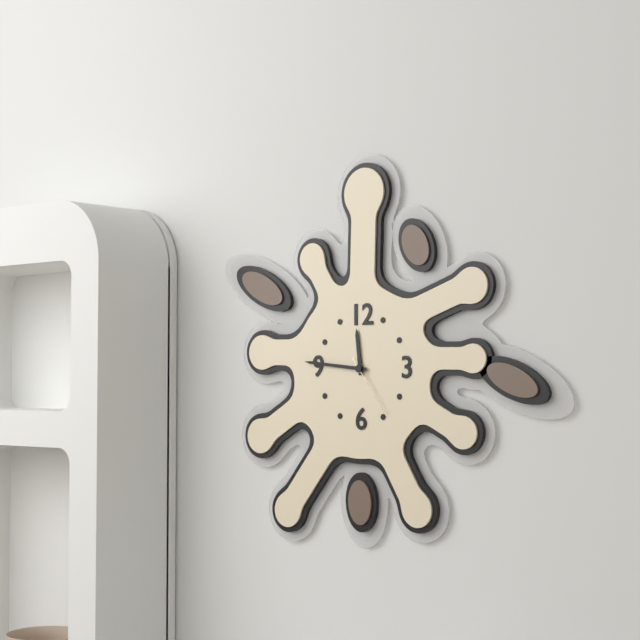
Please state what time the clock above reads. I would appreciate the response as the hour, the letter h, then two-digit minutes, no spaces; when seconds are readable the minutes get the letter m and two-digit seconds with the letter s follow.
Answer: 11h46m24s
